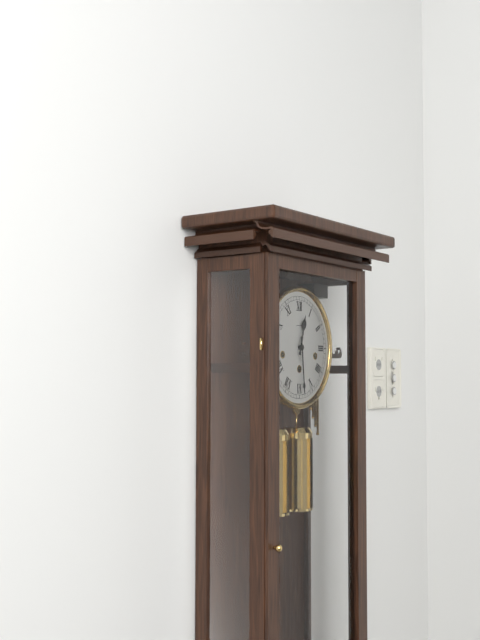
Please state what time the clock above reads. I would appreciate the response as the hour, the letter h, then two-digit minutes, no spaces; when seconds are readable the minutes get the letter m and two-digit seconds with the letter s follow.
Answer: 12h29
